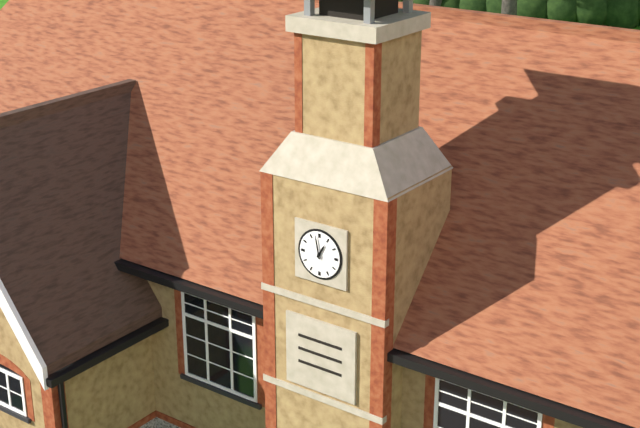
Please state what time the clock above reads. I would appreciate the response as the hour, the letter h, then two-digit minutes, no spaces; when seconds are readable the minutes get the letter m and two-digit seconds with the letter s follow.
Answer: 12h58
